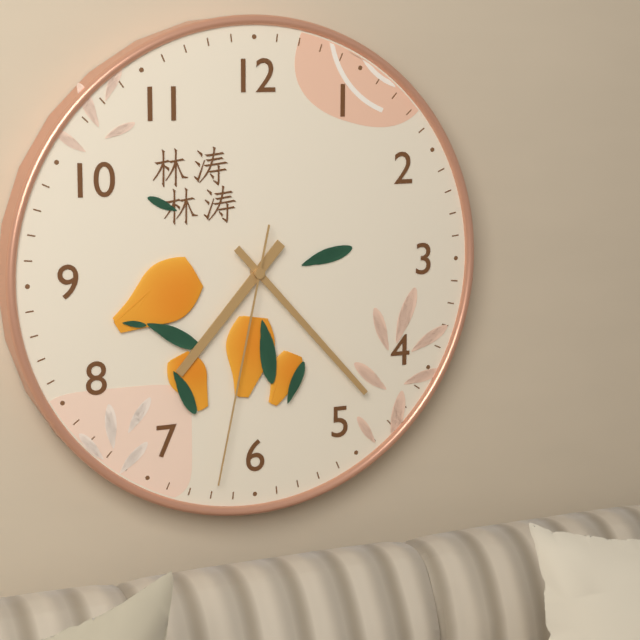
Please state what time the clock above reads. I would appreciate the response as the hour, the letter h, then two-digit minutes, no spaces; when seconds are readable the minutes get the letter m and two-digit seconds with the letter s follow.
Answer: 7h23m32s
